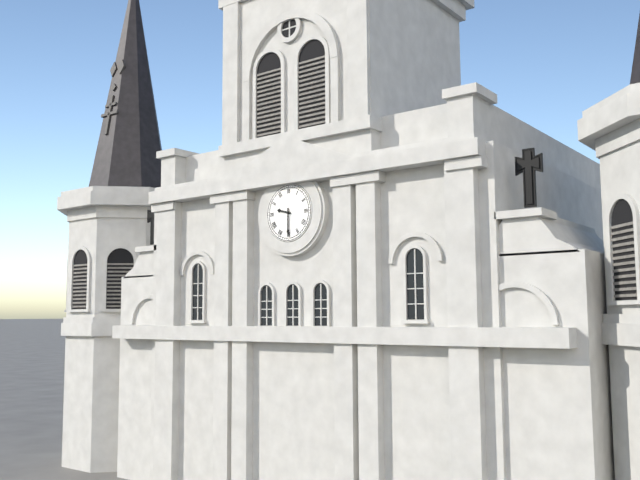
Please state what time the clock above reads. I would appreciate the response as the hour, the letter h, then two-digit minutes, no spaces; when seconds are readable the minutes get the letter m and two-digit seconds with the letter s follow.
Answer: 9h30
